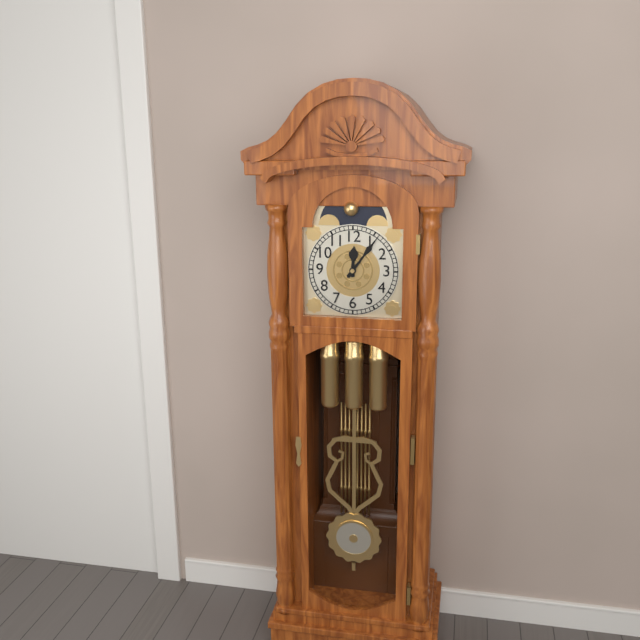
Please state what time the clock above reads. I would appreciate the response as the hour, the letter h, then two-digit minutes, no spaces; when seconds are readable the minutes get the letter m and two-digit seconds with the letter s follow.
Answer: 12h06
